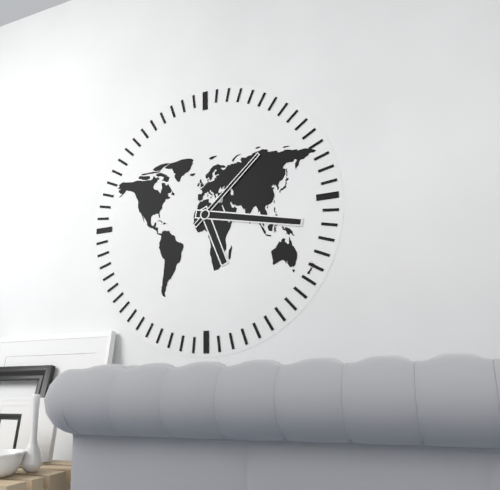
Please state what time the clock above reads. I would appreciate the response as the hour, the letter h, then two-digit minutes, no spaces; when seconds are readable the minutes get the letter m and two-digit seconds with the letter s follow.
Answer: 5h17m08s
